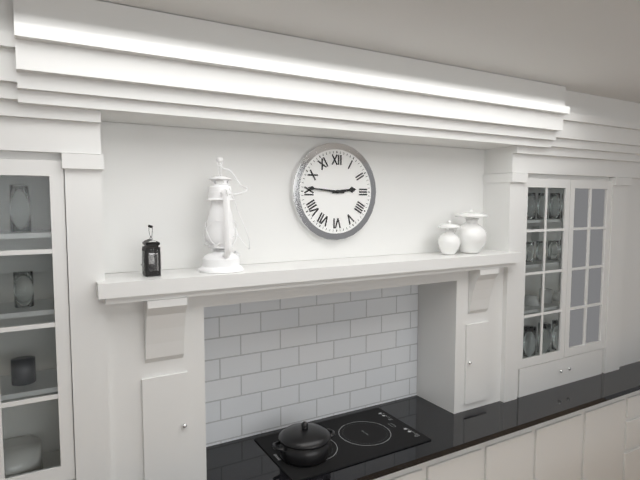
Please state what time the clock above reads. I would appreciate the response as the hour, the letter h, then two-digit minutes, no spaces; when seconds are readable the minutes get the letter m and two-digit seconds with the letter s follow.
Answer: 2h46
